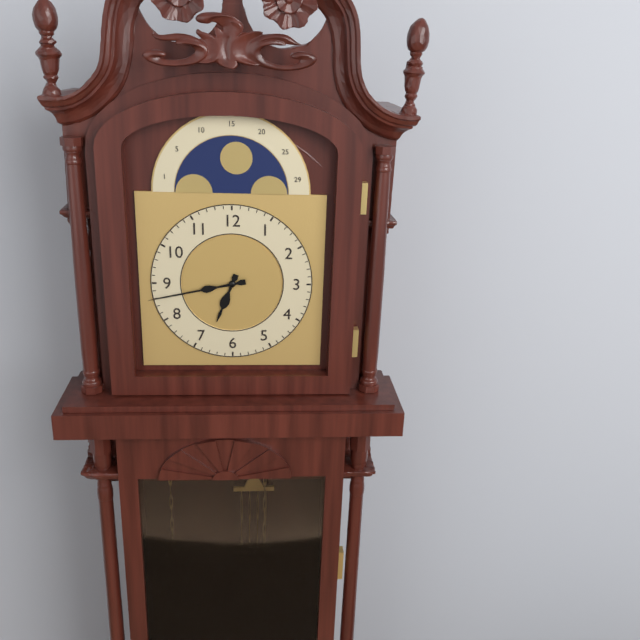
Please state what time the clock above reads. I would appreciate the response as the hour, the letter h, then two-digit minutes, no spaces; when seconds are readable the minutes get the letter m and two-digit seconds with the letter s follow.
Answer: 6h43
